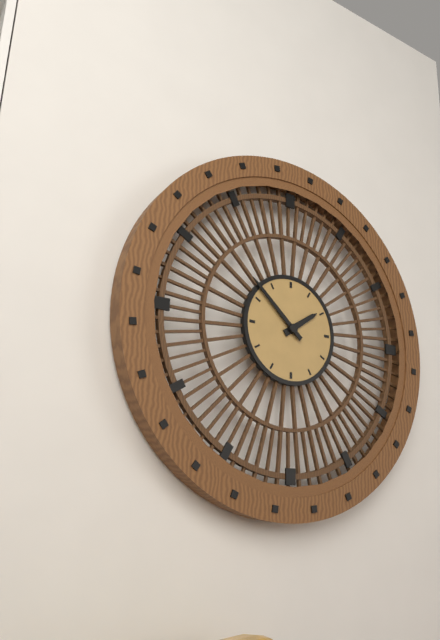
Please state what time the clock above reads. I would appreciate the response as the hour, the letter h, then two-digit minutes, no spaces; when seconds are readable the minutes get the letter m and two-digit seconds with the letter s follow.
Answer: 1h52
